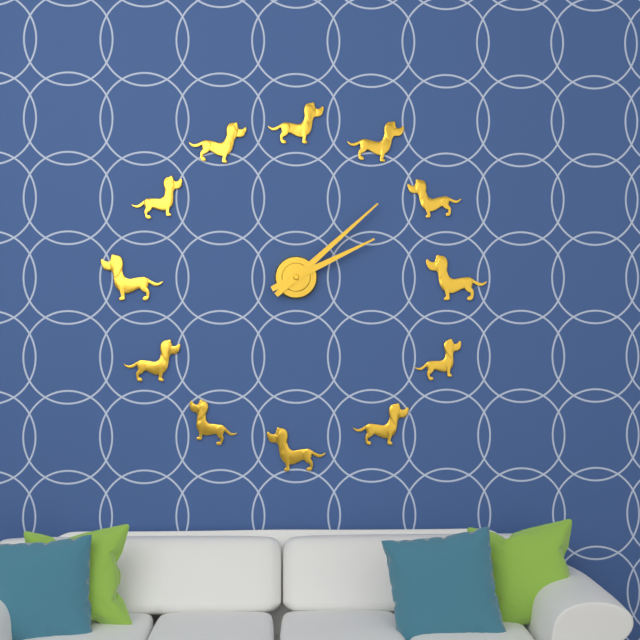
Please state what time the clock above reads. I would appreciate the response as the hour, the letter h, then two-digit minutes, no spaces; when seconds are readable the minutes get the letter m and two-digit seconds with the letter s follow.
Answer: 2h08
